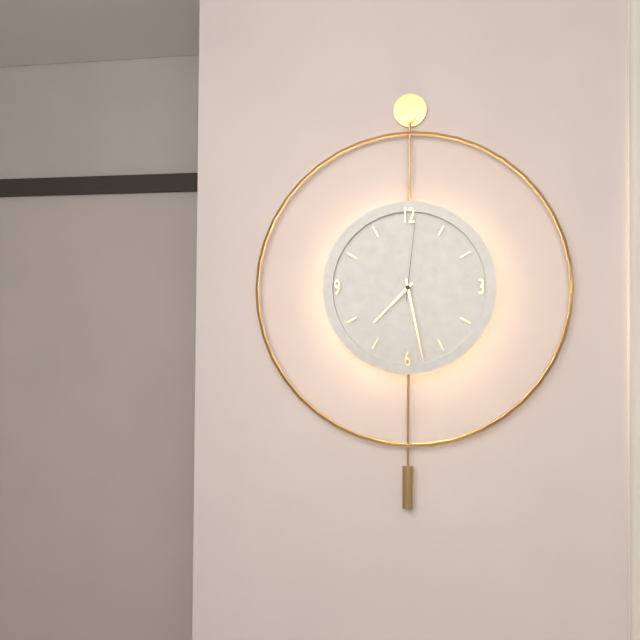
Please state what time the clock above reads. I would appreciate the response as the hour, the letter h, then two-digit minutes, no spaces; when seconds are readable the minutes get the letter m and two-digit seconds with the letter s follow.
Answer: 7h28m01s
